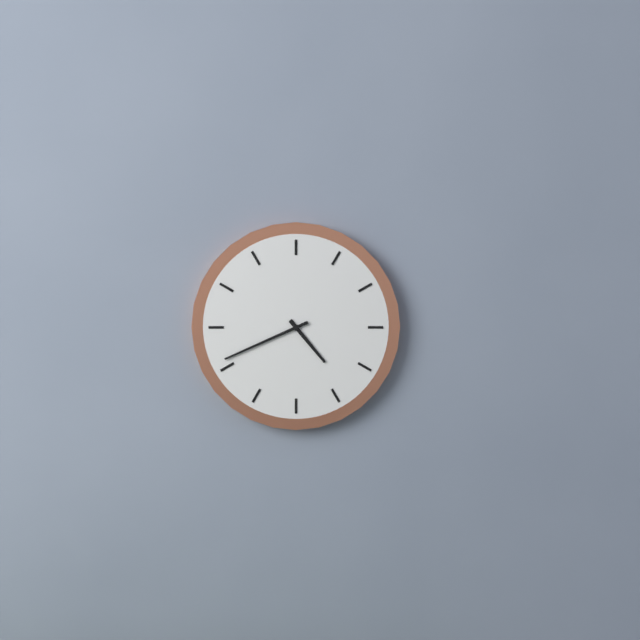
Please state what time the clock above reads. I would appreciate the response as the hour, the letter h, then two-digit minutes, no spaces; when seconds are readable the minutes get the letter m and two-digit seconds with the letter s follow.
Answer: 4h41
